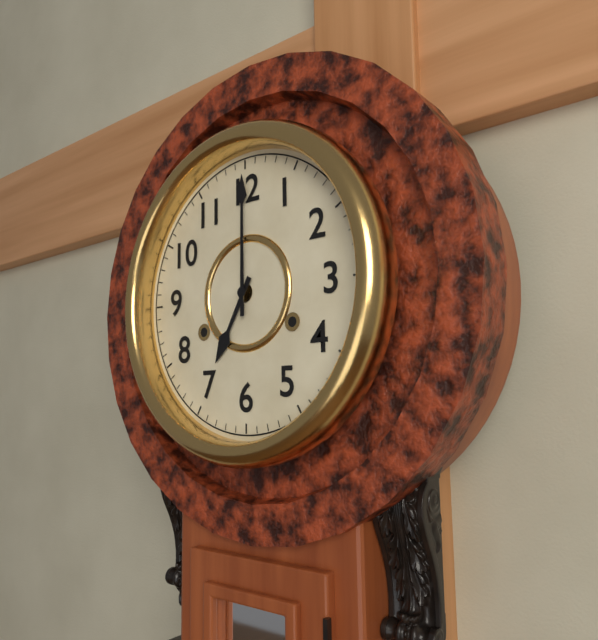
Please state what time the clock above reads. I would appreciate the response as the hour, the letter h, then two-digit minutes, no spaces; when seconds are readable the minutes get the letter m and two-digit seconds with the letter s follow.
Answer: 7h00
